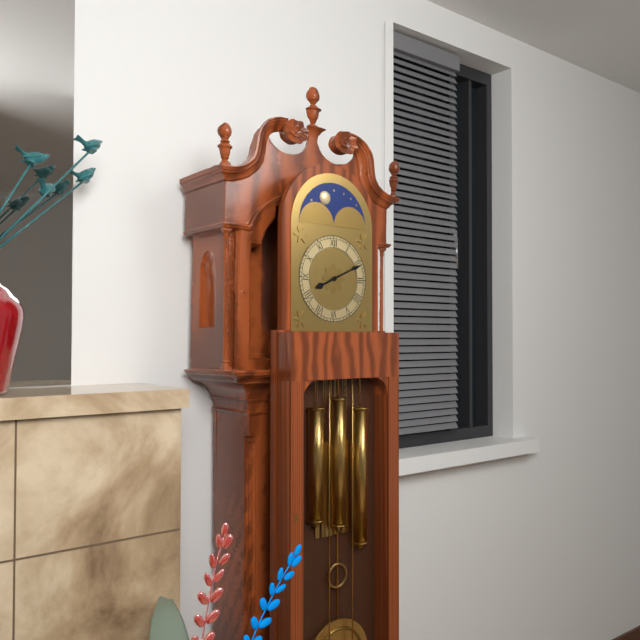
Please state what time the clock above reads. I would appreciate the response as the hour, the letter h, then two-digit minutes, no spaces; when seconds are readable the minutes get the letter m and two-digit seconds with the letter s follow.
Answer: 8h11
